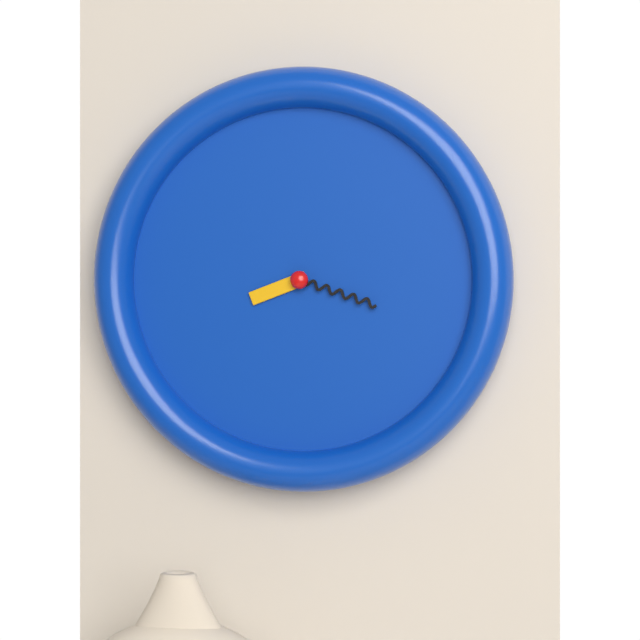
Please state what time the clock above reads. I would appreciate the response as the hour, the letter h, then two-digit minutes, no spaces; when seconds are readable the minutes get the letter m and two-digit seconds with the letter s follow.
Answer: 8h18
